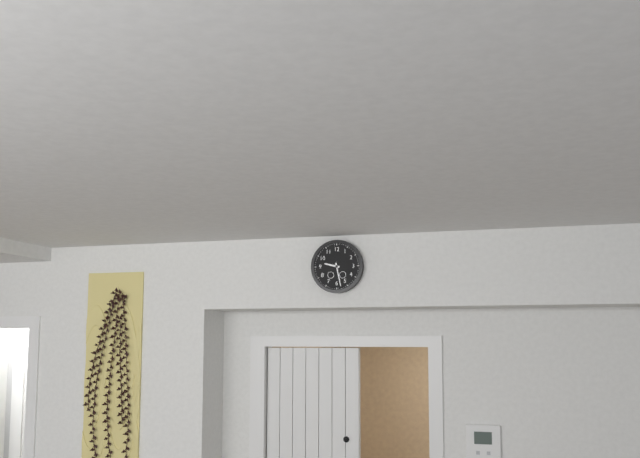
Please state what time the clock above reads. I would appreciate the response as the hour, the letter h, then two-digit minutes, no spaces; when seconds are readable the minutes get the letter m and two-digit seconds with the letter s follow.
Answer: 9h28
